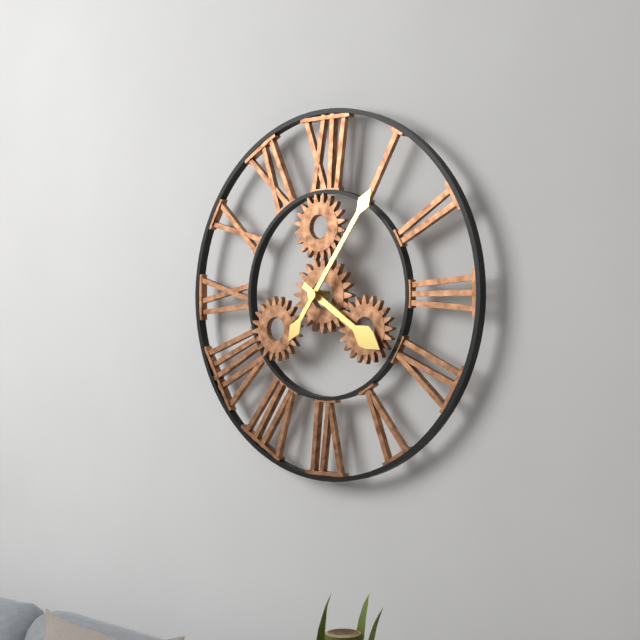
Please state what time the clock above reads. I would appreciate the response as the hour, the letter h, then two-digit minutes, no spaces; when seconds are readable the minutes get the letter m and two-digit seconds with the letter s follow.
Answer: 4h06
